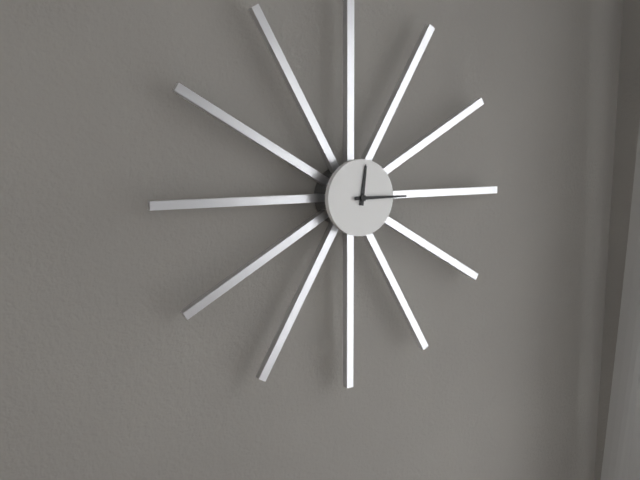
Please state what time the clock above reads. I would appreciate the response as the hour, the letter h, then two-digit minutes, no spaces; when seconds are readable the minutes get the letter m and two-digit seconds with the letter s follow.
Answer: 12h15
